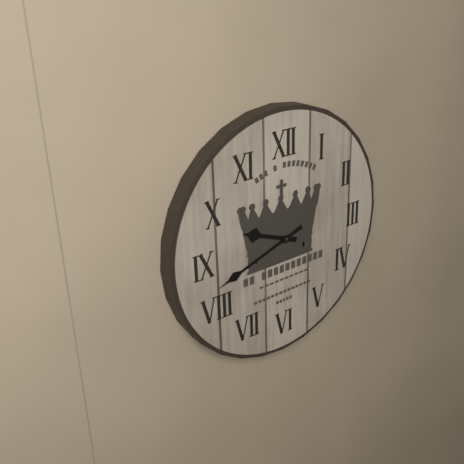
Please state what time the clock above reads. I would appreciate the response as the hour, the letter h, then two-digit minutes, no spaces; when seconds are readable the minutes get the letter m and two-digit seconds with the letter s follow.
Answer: 9h42
